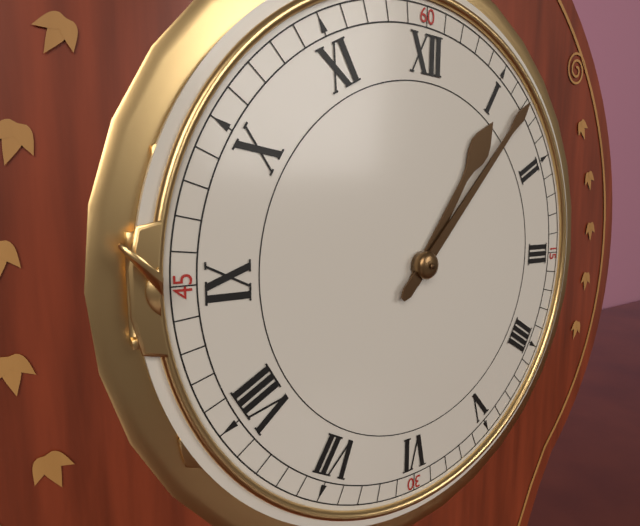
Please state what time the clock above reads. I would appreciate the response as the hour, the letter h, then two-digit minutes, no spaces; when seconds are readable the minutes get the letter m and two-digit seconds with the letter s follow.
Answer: 1h07
